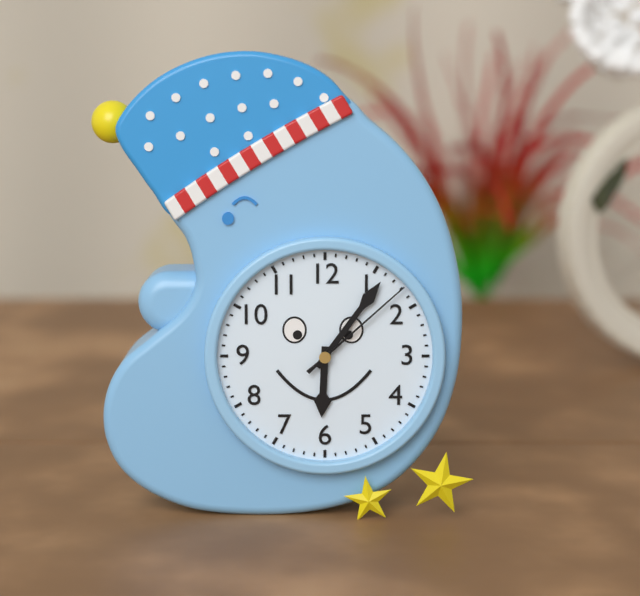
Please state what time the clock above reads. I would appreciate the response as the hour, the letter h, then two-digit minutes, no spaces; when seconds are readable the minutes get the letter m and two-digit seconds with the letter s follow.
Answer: 6h06m08s
